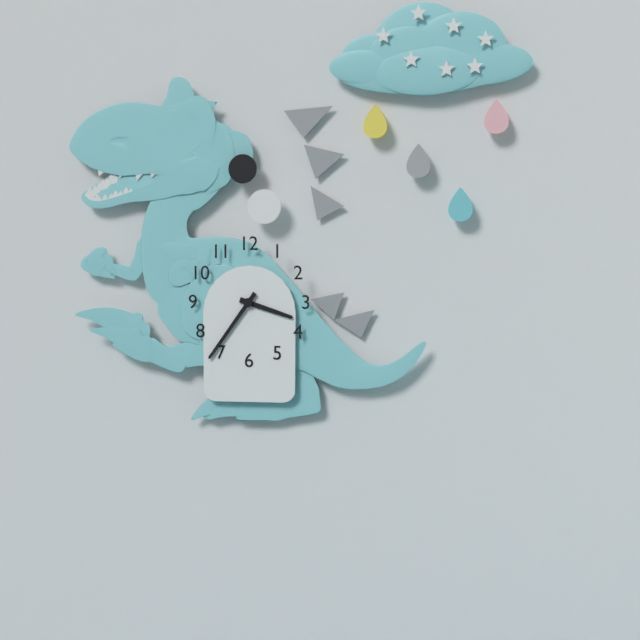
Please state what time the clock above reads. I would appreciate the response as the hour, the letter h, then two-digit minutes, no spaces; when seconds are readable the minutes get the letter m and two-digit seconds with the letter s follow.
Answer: 3h36
